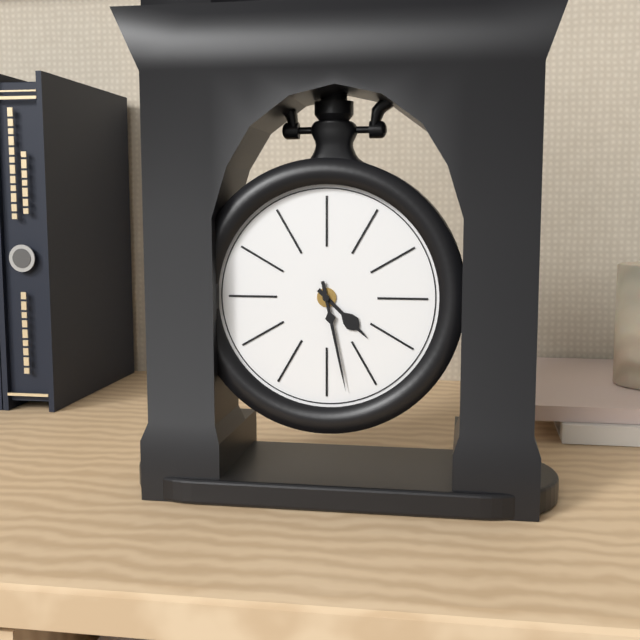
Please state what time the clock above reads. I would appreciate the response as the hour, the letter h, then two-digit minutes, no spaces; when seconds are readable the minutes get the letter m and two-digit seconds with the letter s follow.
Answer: 4h28
